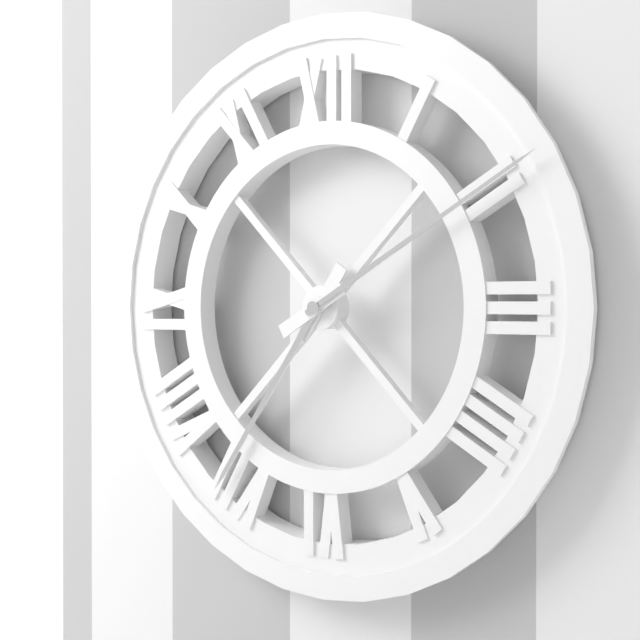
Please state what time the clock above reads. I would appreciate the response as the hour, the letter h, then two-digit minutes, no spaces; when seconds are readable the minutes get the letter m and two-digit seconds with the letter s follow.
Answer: 7h10
